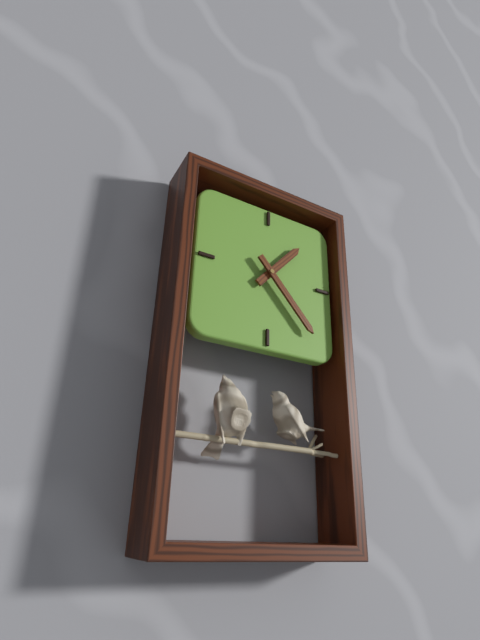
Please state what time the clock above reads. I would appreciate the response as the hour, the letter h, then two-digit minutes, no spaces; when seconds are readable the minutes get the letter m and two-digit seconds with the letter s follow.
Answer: 1h23
